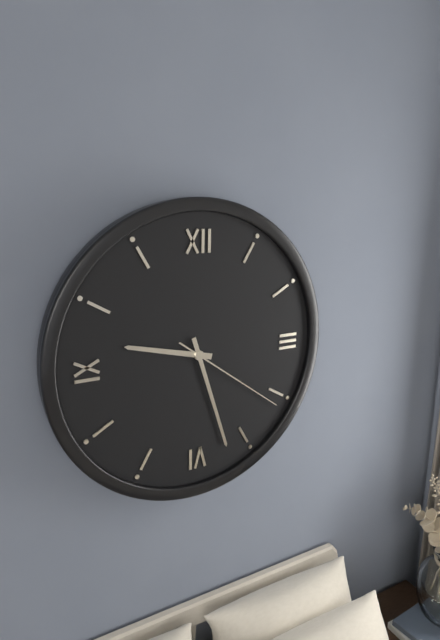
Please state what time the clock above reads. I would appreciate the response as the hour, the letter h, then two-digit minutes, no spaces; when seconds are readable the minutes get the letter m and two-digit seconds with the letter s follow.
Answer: 9h27m21s
